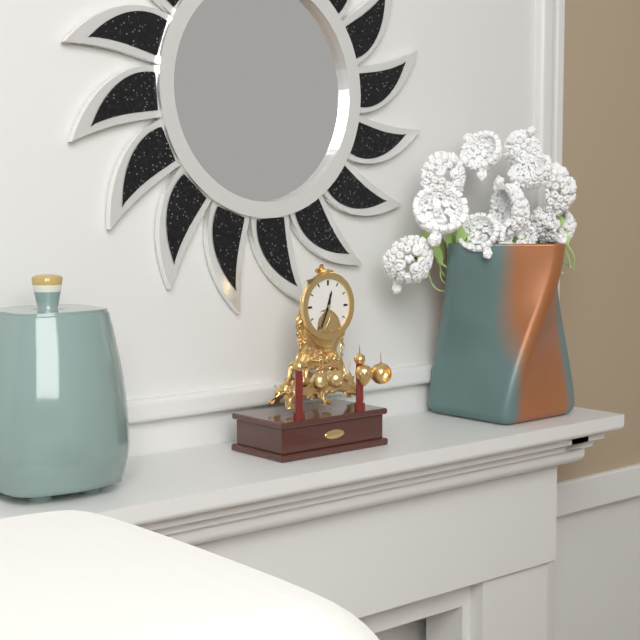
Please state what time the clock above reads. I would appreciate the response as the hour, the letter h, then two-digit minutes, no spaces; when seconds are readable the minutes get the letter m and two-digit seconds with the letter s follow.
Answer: 12h34
